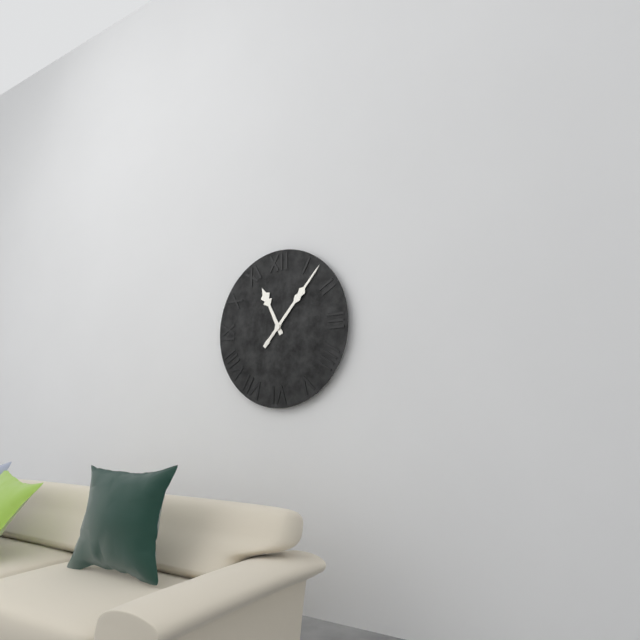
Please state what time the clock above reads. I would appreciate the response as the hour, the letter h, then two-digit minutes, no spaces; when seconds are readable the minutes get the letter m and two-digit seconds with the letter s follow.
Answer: 11h07
